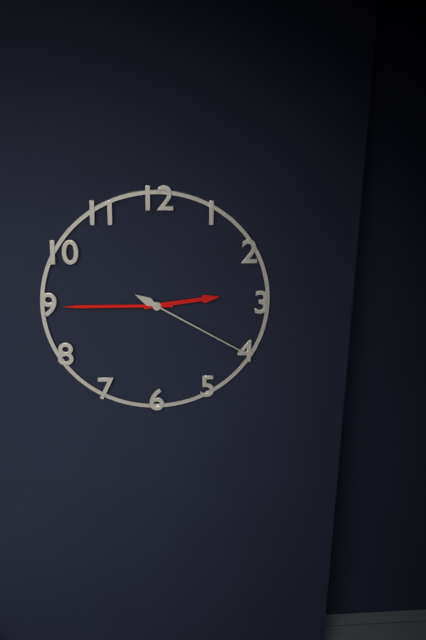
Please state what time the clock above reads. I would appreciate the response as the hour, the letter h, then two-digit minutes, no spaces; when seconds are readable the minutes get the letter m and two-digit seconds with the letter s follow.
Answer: 2h45m20s
